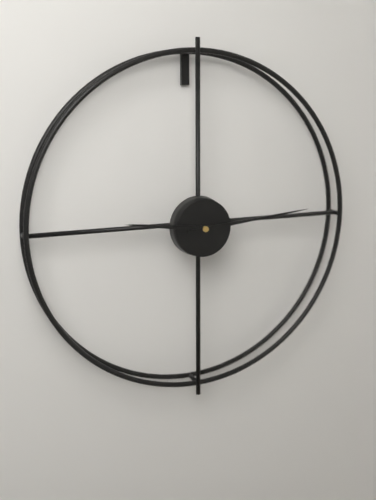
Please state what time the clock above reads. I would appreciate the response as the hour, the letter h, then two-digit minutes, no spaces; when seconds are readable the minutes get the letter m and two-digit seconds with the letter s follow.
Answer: 9h14
